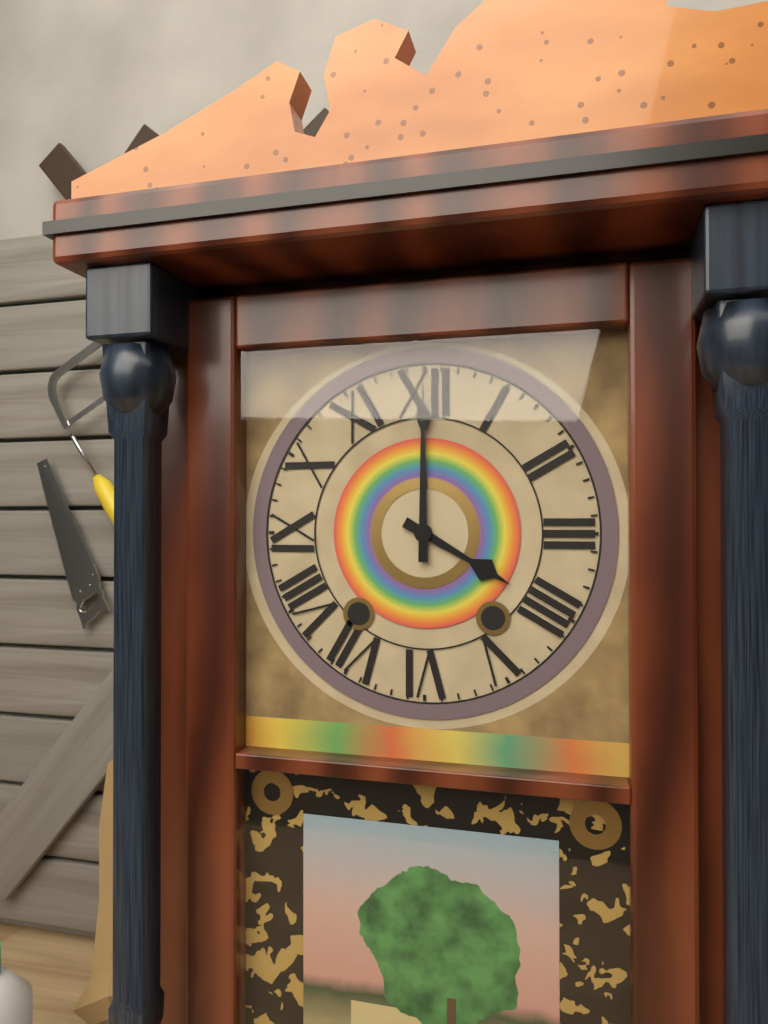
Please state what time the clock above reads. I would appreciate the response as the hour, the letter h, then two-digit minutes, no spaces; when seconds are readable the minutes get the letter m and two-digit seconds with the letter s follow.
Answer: 4h00
